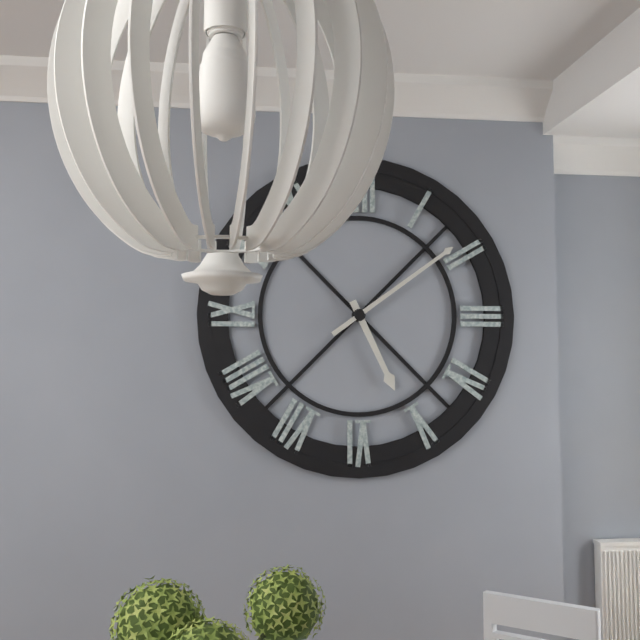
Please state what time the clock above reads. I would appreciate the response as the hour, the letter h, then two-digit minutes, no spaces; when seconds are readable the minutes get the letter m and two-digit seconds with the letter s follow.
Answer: 5h09
